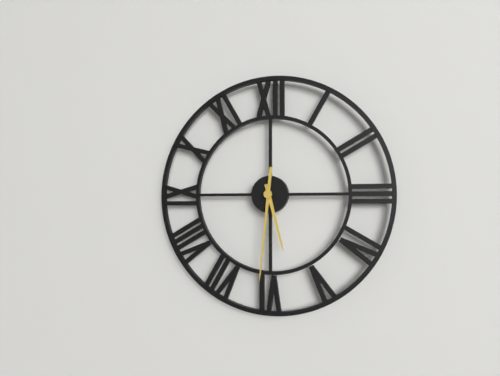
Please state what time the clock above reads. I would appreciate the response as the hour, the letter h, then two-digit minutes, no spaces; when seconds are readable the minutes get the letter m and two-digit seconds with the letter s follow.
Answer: 5h31
